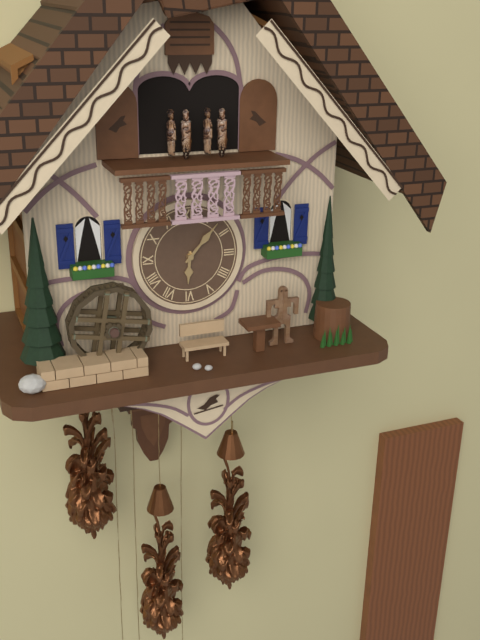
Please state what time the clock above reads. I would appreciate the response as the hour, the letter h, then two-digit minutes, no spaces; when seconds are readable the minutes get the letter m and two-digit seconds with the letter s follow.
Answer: 6h07
